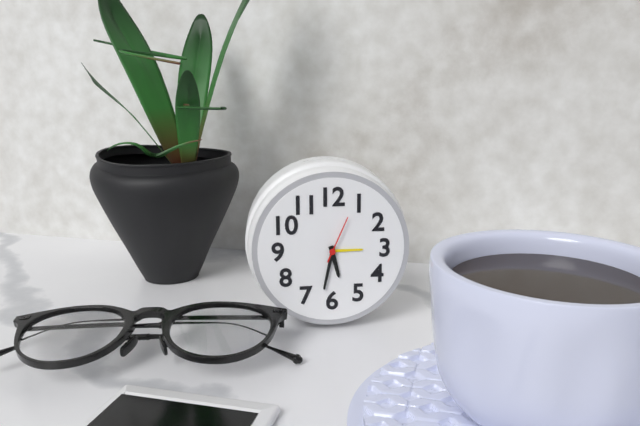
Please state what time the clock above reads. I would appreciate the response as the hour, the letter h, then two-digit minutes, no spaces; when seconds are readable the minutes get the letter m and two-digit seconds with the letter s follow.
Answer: 5h32
